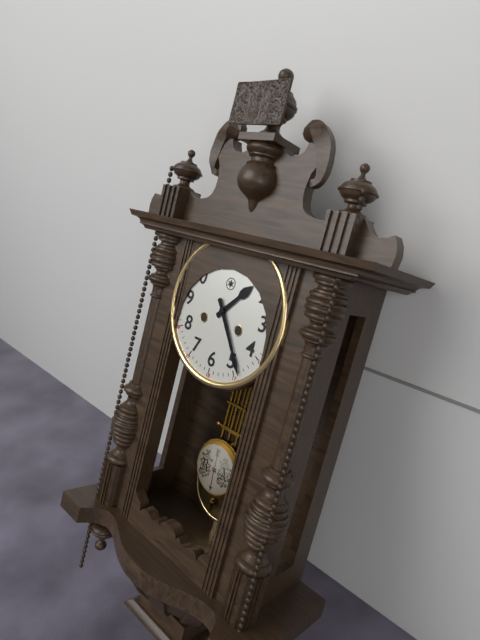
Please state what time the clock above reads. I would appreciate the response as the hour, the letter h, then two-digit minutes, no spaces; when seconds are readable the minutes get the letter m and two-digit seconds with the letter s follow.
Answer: 1h24
